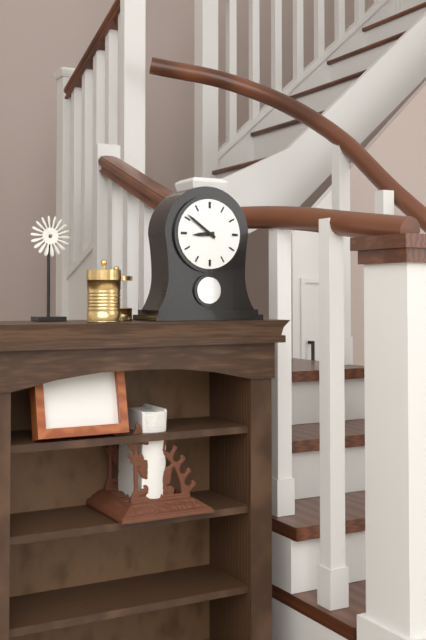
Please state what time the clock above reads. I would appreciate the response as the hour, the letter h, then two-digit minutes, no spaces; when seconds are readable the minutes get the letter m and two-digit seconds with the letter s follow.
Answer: 8h51
